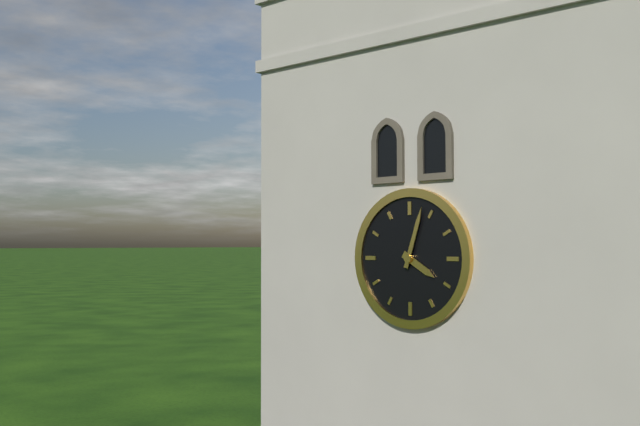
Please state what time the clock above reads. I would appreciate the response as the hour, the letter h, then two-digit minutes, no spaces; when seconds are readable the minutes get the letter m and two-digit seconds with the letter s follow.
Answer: 4h03
